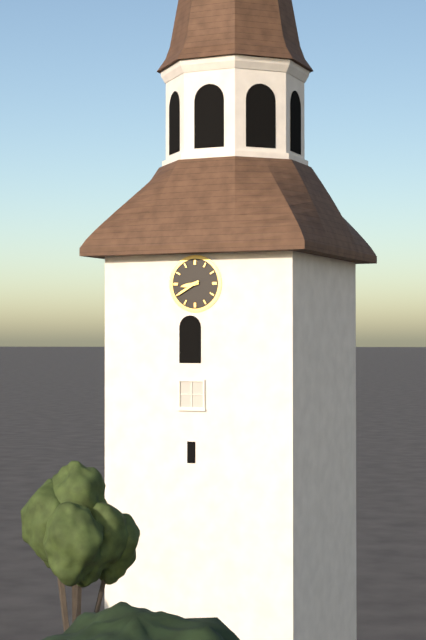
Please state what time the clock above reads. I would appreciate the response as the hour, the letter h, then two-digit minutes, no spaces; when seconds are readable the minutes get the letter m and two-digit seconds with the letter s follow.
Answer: 8h40
